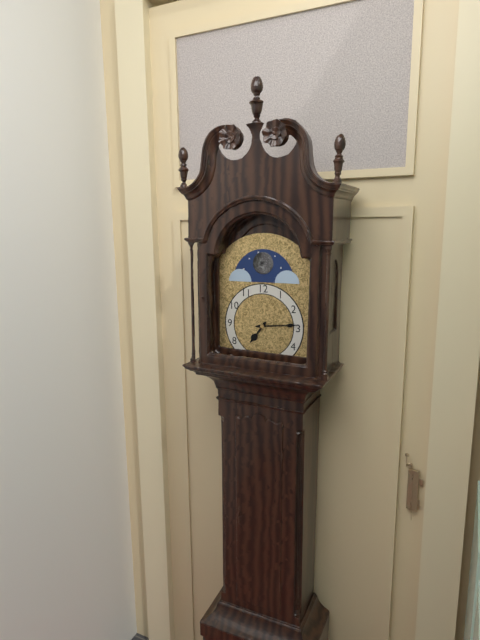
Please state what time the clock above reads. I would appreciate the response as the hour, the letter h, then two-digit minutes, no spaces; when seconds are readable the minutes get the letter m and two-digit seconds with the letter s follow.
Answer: 7h14
